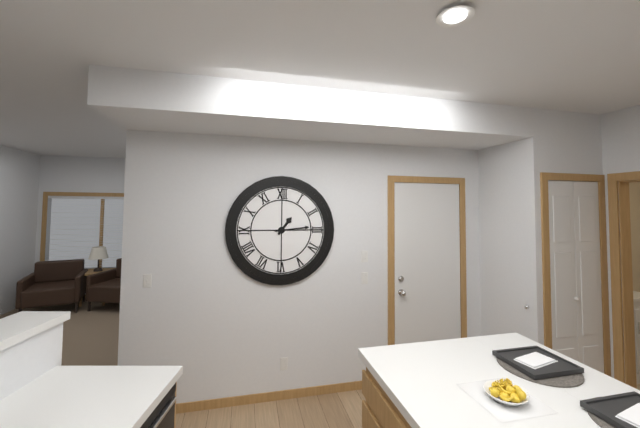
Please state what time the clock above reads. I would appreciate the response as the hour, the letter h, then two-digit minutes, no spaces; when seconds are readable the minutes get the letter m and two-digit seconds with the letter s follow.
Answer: 1h14
